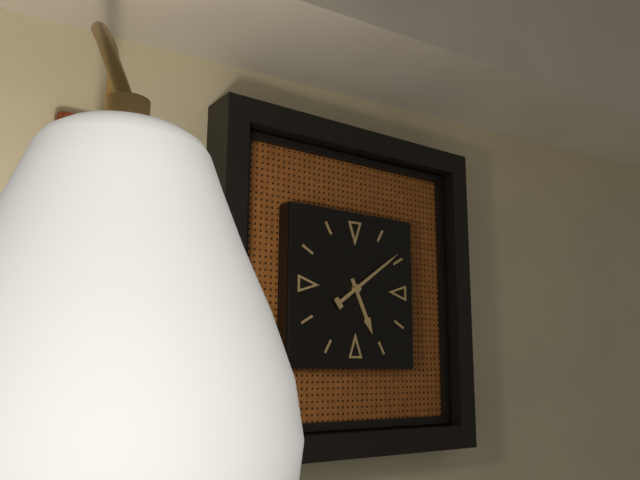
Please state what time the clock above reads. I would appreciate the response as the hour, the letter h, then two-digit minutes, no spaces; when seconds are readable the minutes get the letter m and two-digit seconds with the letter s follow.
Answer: 5h09
